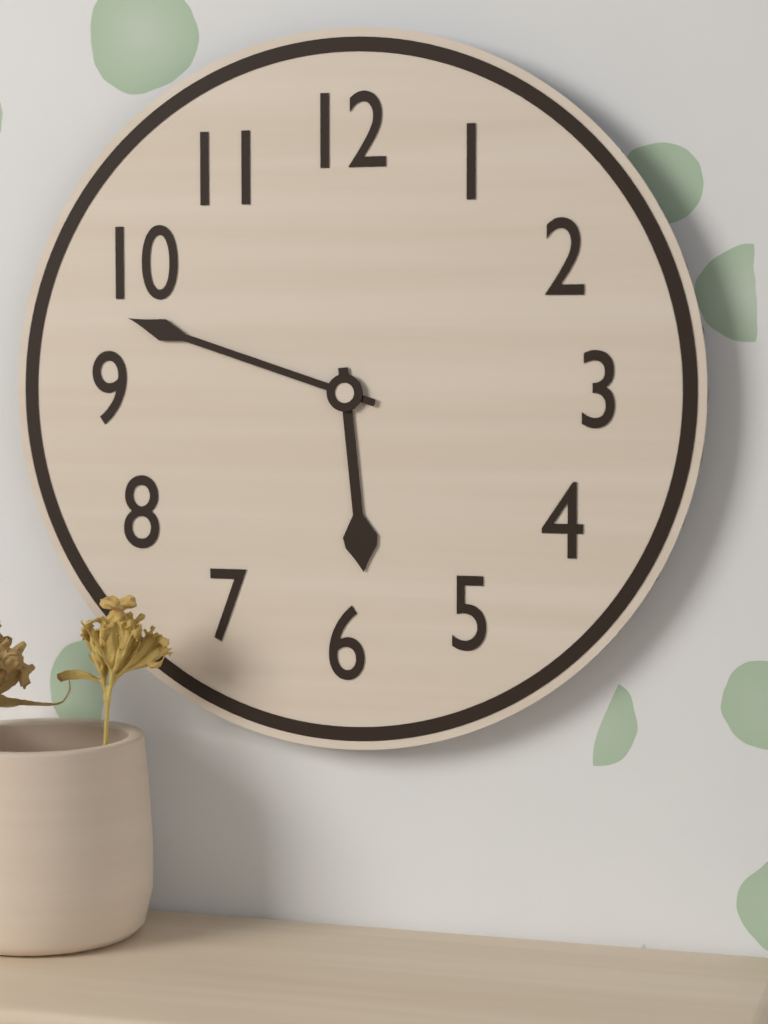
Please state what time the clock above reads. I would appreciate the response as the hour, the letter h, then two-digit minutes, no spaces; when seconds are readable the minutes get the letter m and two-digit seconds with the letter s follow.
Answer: 5h48
